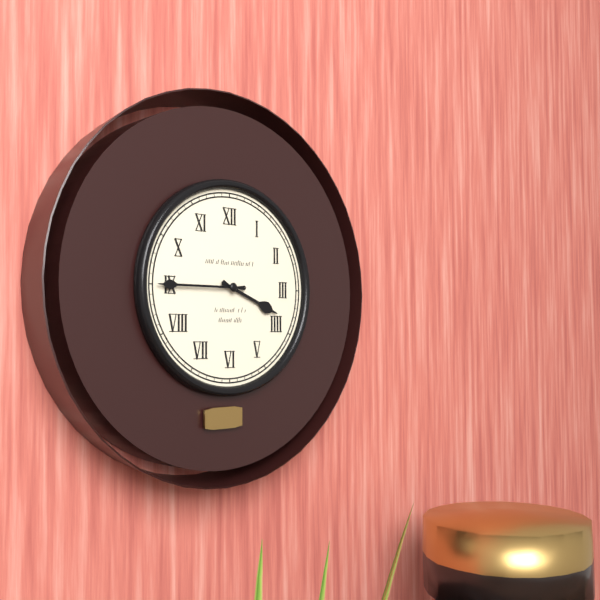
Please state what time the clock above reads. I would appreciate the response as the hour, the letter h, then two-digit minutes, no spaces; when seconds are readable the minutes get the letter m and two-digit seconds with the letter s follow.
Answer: 3h45
